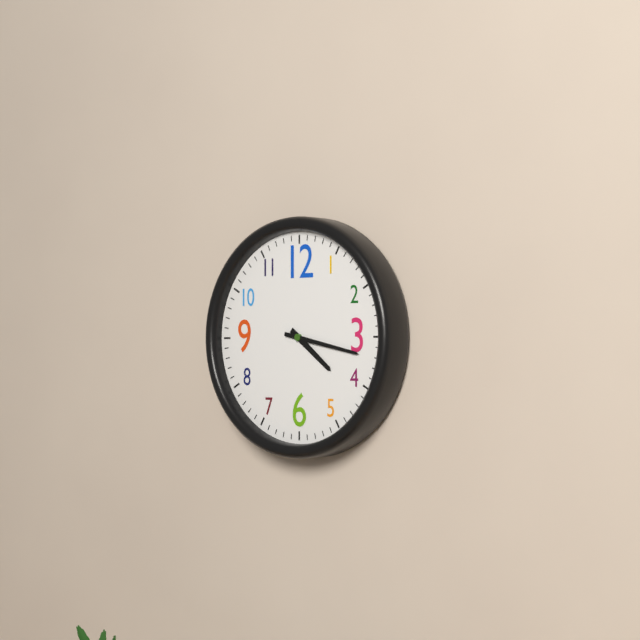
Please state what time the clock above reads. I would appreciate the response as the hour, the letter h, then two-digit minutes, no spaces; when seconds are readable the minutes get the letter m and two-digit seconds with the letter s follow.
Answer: 4h17
